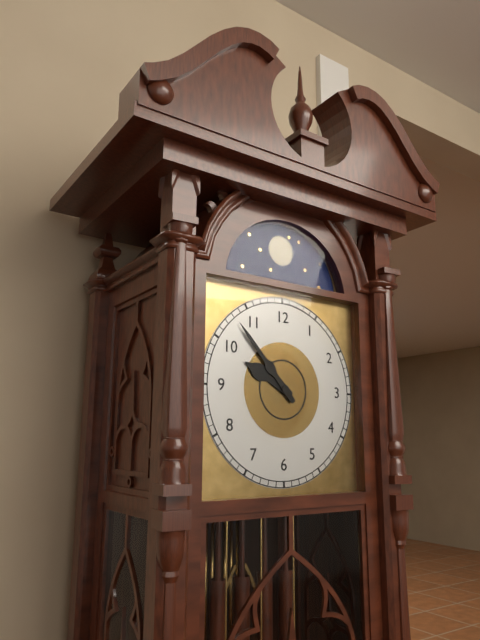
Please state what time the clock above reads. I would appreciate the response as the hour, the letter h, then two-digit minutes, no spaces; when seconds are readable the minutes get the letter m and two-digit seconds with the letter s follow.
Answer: 9h53
